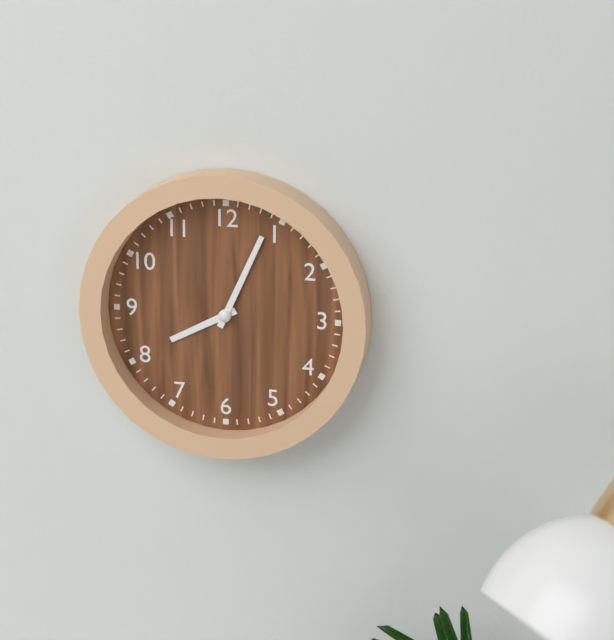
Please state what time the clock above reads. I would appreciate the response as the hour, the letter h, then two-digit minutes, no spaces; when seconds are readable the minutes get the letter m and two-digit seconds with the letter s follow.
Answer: 8h04
